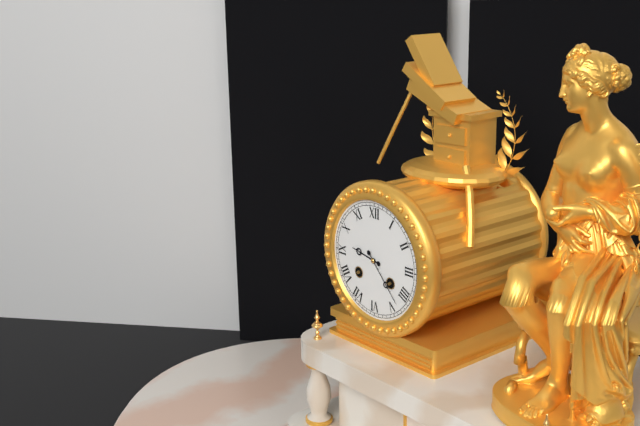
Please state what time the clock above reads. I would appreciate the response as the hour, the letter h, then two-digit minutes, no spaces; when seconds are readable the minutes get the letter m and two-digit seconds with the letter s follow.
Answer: 9h23
